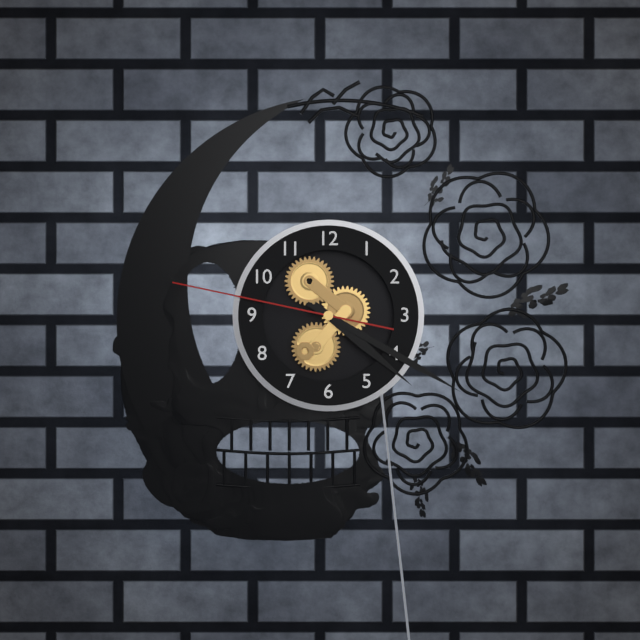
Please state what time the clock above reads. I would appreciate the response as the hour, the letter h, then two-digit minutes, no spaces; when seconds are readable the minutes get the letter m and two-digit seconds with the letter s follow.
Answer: 4h20m47s
